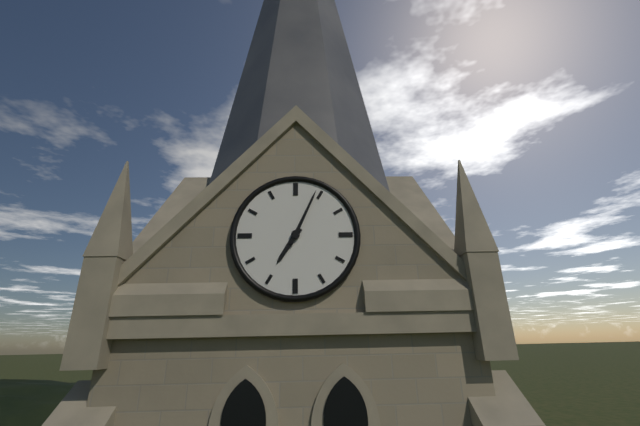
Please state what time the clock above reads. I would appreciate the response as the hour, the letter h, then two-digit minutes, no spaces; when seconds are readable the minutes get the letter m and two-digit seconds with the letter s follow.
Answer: 7h04
